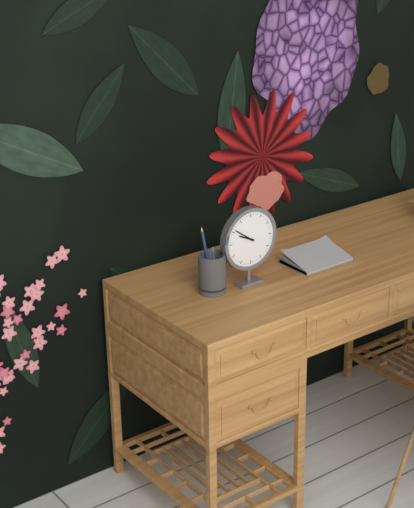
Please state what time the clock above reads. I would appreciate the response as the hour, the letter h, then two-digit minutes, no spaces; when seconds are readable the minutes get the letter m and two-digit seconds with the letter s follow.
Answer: 9h51
